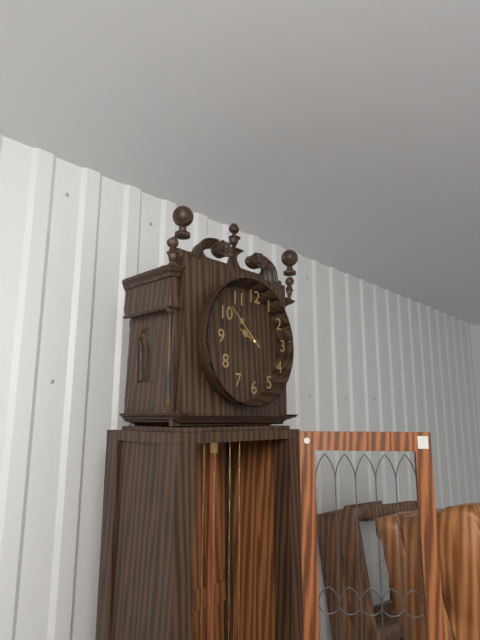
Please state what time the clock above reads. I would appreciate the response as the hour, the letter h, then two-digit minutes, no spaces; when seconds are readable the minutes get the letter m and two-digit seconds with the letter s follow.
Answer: 9h52
